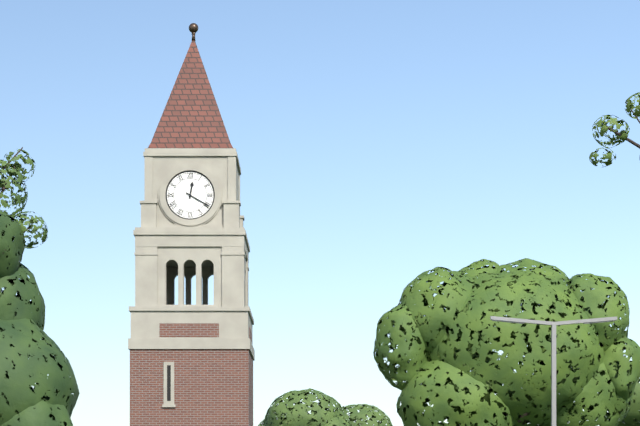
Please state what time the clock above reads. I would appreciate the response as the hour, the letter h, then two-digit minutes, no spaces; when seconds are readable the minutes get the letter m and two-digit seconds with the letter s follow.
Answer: 12h20
